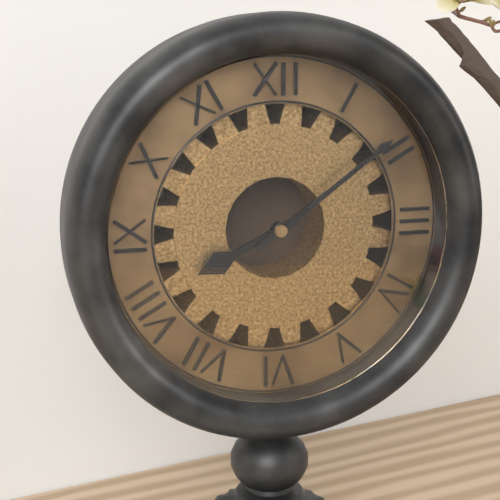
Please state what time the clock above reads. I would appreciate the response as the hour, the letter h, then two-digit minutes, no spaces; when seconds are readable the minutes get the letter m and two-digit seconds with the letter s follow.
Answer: 8h09
